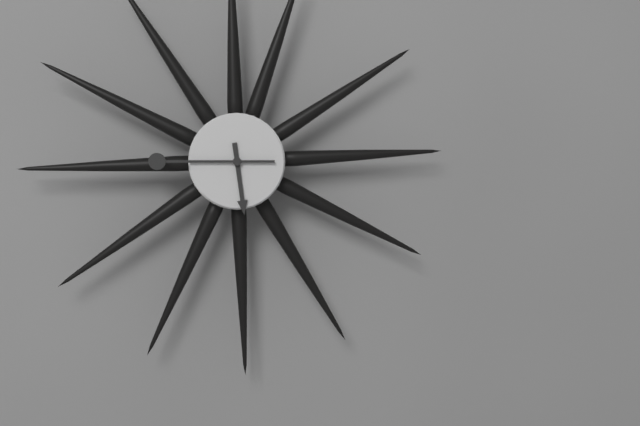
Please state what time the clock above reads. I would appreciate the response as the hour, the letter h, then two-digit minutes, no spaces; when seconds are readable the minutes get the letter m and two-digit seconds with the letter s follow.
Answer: 5h45
